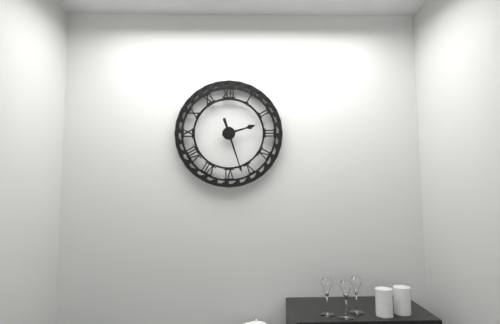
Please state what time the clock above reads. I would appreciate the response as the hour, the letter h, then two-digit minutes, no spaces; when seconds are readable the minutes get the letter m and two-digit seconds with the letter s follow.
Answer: 2h27
